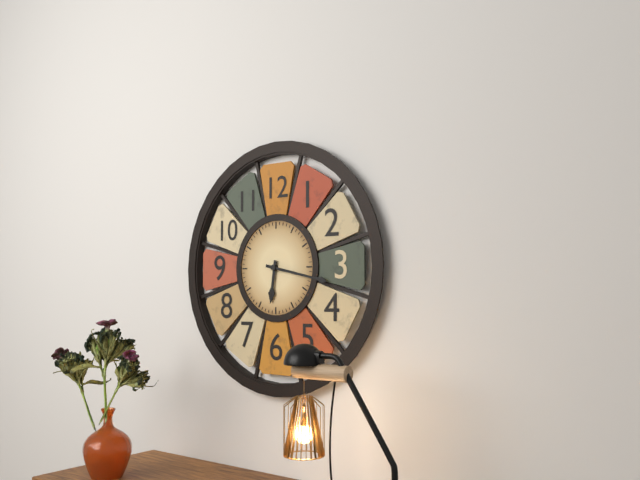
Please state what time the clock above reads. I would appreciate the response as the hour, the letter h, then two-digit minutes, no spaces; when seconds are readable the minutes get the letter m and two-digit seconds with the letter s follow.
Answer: 6h17
